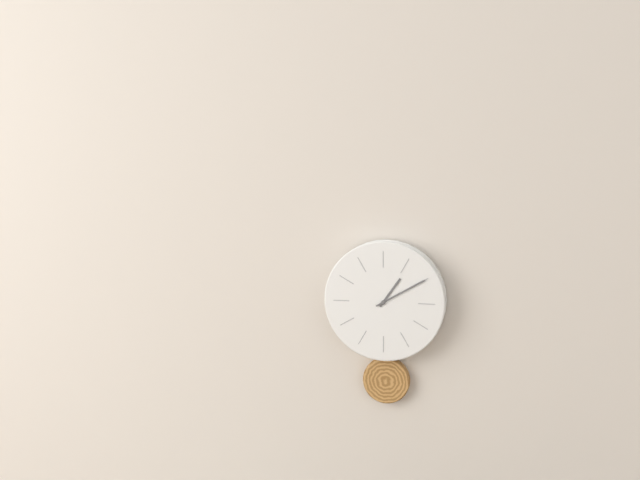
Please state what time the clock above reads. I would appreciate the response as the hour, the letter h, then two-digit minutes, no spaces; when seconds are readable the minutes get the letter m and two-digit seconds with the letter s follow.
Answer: 1h10
